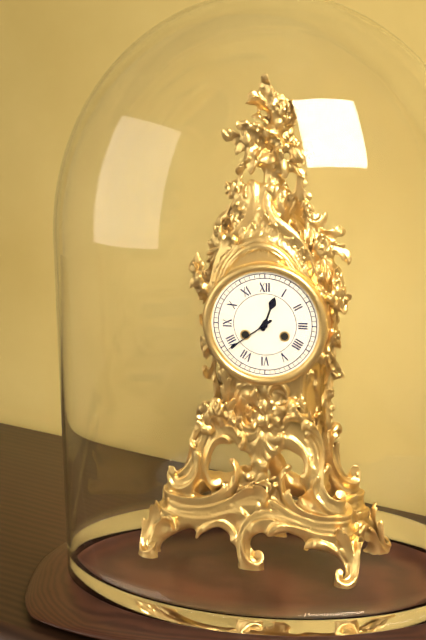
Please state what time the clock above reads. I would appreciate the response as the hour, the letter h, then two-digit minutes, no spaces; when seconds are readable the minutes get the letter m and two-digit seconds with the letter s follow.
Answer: 12h39
